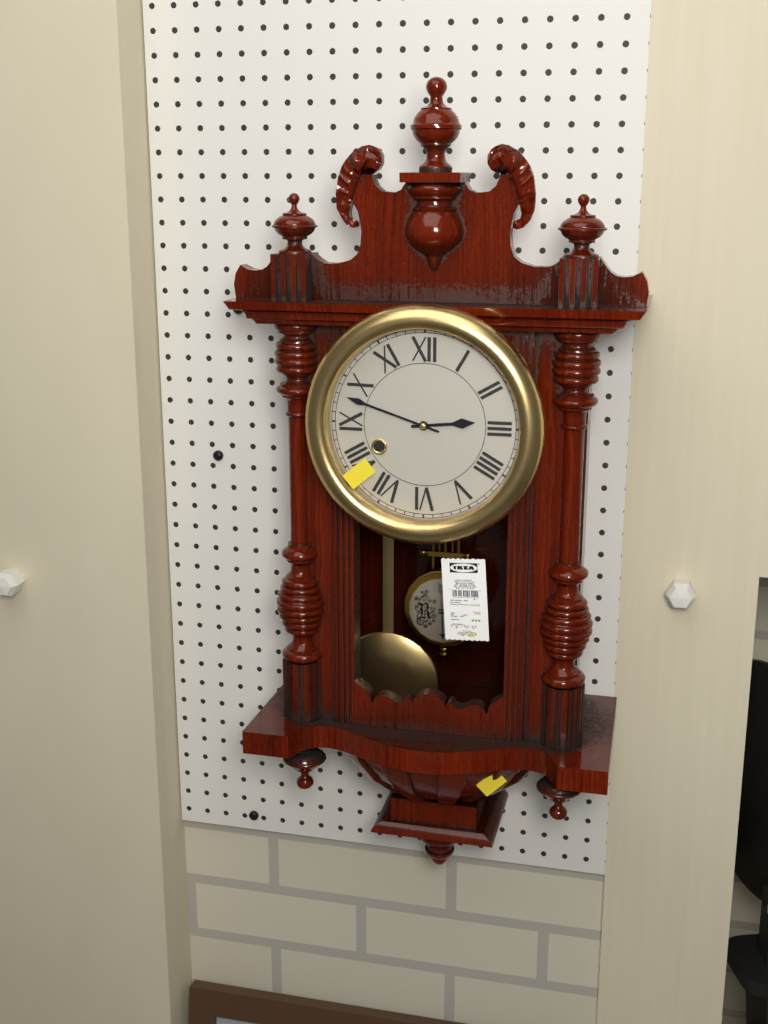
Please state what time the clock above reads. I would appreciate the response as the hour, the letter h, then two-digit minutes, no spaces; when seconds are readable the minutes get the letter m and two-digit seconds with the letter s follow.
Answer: 2h48
